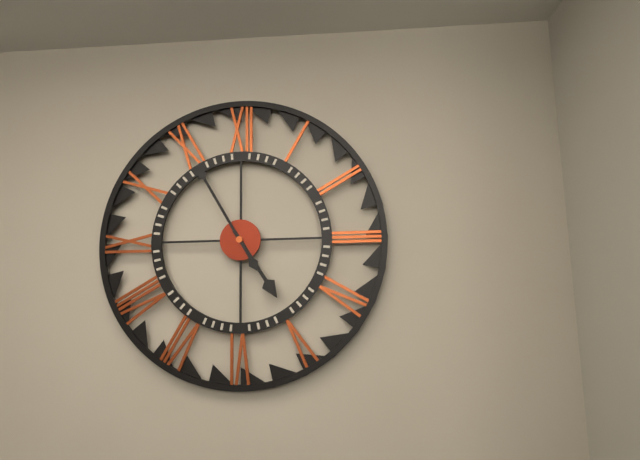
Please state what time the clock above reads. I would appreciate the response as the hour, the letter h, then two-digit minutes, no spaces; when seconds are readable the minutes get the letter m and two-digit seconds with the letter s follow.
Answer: 4h55
